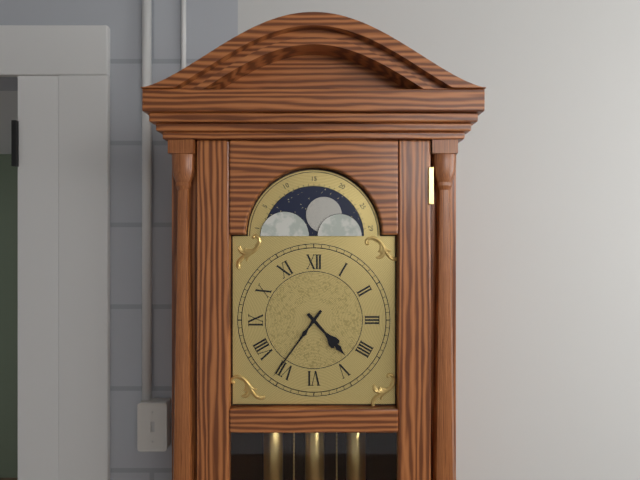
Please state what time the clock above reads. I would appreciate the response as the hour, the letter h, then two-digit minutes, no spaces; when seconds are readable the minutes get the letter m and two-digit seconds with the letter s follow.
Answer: 4h36
